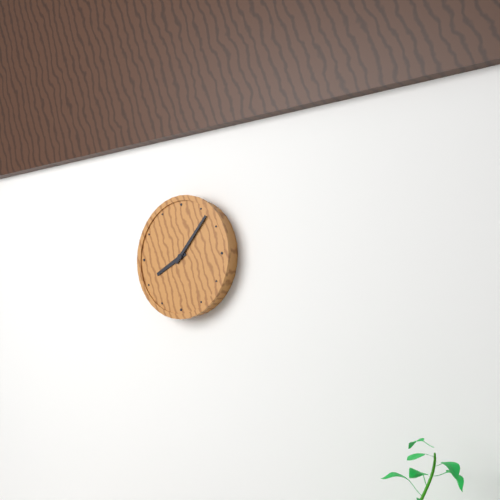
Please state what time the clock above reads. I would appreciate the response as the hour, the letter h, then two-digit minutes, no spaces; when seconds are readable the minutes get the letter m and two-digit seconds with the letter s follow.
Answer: 8h07
